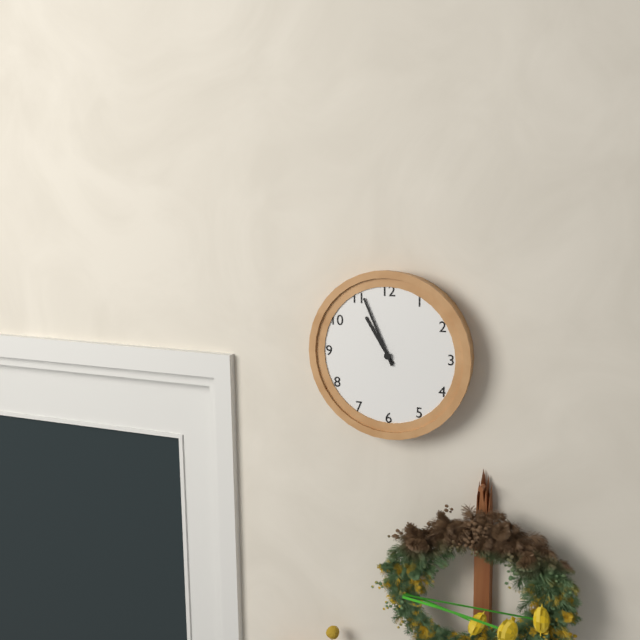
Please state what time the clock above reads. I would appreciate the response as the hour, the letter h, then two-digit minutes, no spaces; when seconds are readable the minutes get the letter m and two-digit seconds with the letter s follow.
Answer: 10h56
